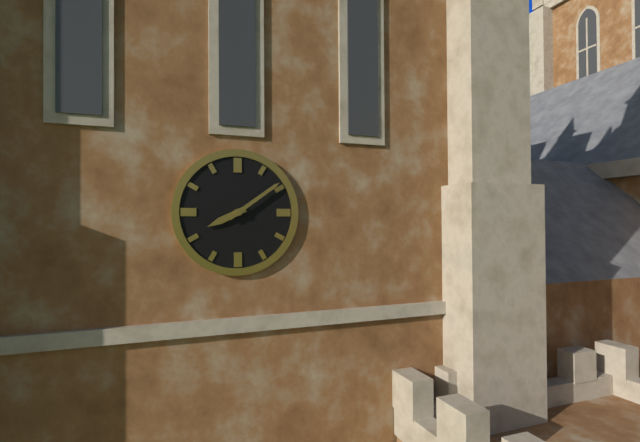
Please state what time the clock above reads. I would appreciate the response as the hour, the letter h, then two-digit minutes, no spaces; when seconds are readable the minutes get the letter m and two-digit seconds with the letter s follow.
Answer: 8h09
